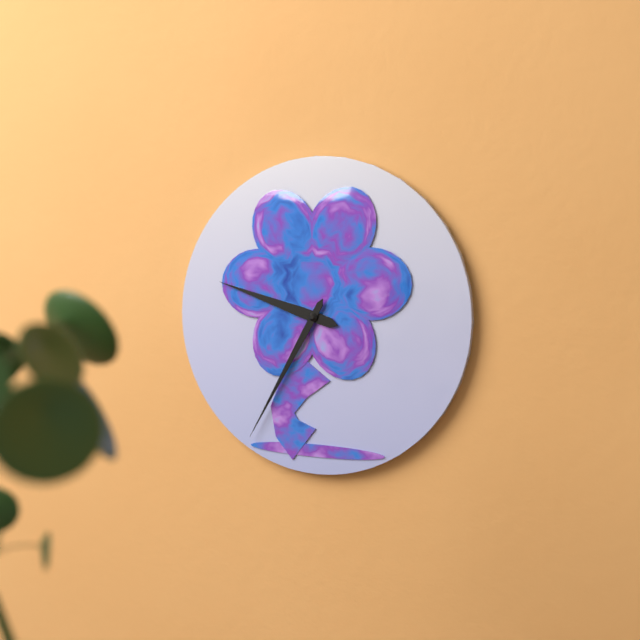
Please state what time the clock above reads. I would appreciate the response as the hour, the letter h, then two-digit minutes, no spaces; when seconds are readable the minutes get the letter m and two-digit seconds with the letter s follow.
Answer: 9h35
